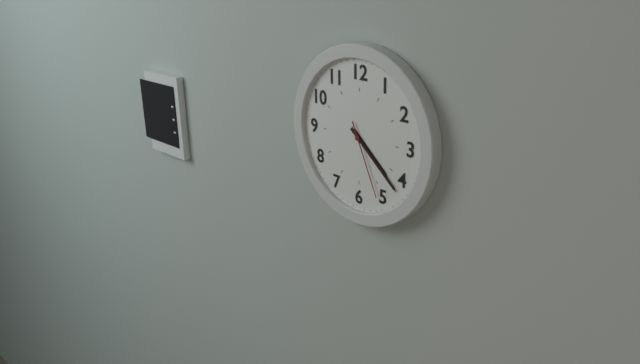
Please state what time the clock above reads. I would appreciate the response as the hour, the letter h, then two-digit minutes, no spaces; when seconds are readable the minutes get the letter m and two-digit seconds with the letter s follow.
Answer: 4h22m26s
